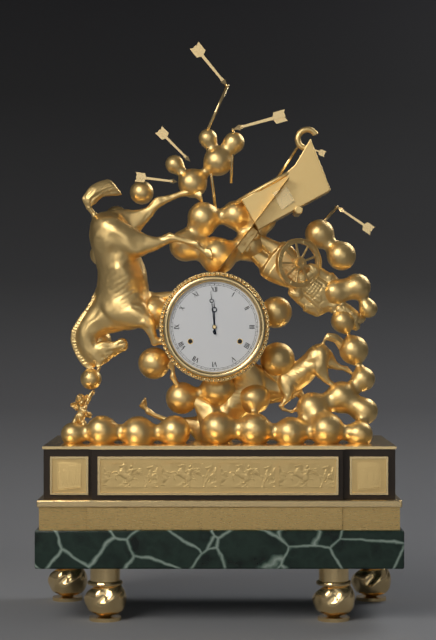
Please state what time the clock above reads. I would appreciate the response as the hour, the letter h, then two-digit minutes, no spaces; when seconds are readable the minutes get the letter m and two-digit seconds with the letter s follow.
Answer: 11h59
